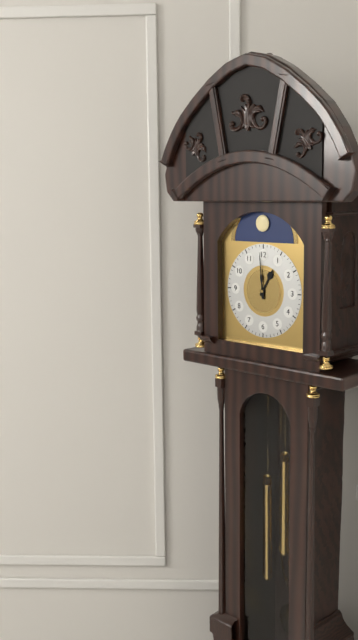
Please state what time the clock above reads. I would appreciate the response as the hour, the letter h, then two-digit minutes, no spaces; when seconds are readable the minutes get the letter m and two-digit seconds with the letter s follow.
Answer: 12h59
